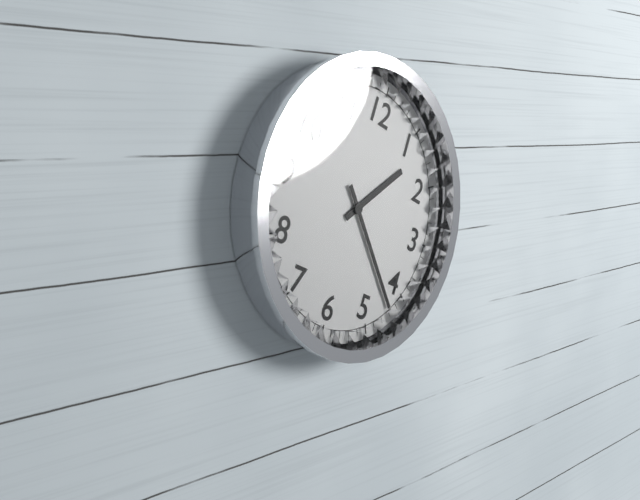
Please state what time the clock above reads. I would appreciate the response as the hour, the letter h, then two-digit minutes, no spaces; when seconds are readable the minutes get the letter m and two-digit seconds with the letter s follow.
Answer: 1h22
